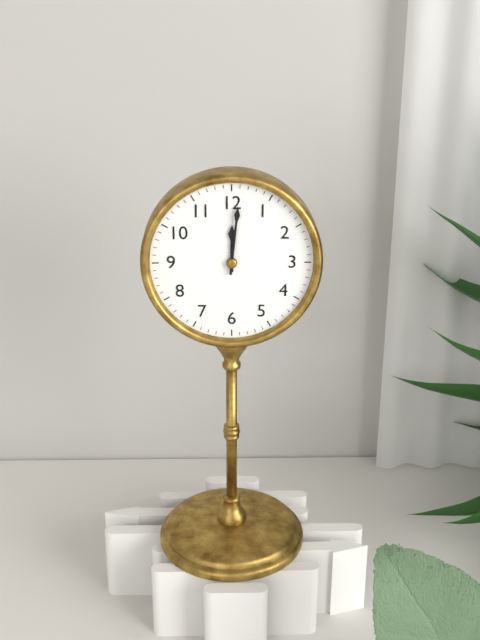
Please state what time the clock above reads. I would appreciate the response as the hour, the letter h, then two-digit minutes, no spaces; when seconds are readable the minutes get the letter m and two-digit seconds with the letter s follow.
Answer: 12h01
